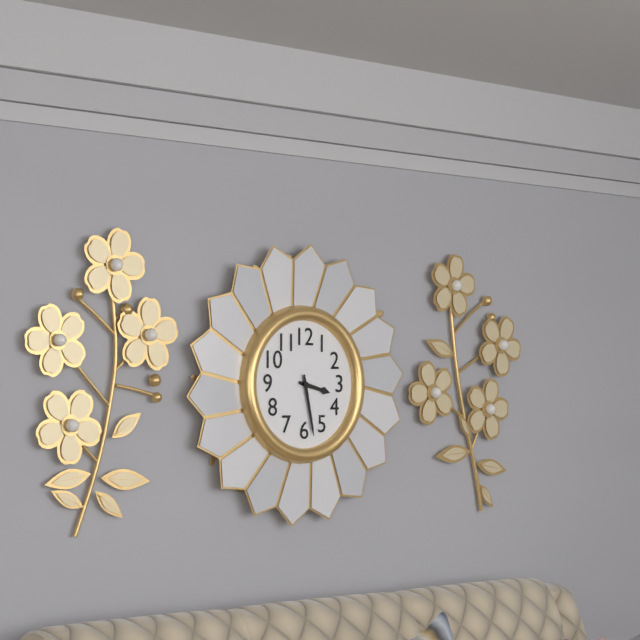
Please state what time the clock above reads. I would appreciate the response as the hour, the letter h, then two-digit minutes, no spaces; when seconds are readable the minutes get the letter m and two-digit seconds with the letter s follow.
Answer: 3h28
